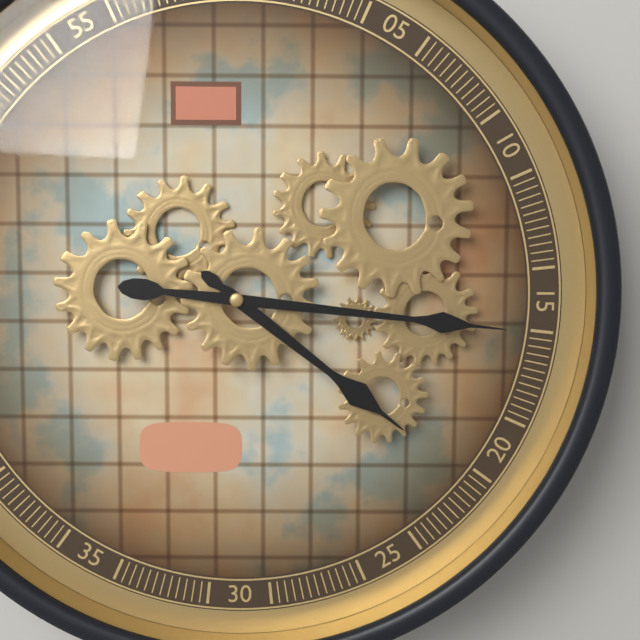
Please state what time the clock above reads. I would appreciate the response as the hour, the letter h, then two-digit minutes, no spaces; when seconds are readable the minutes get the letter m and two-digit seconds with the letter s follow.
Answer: 4h16
